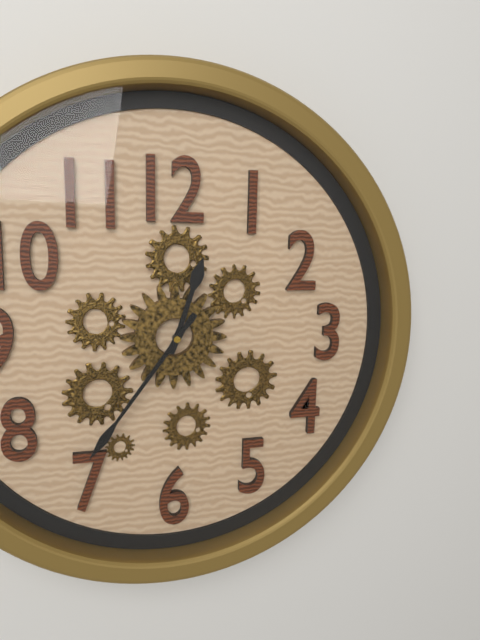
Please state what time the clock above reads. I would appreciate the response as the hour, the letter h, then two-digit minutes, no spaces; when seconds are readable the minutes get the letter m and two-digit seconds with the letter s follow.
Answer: 12h36
